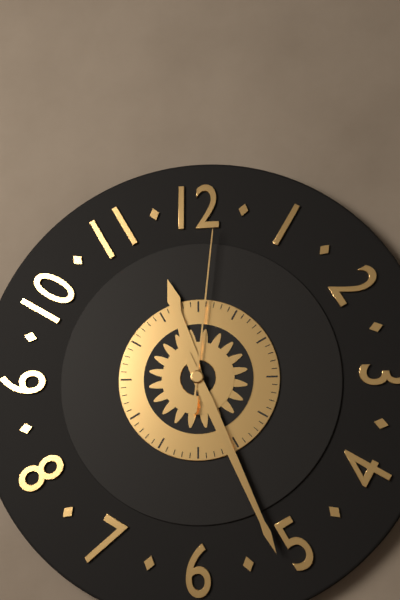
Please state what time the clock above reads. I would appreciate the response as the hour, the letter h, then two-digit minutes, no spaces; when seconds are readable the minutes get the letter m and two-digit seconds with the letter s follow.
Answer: 11h26m01s
